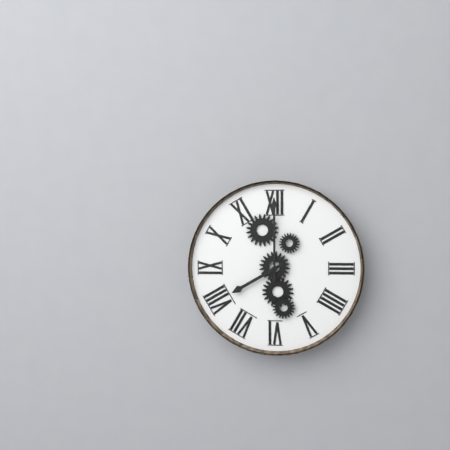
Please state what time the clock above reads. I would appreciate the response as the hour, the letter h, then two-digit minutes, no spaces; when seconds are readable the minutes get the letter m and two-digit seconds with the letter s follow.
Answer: 8h00
